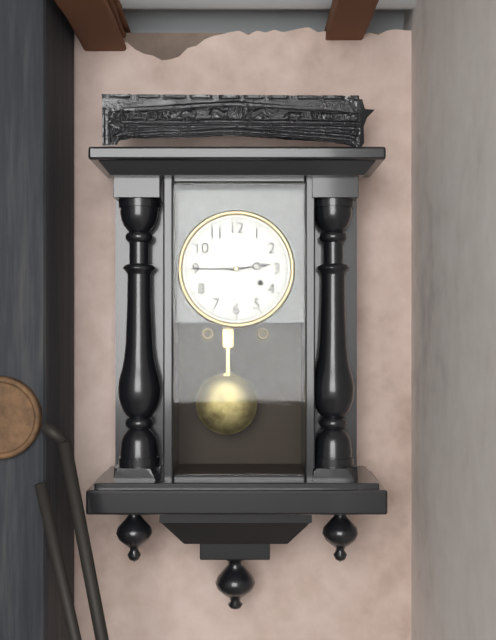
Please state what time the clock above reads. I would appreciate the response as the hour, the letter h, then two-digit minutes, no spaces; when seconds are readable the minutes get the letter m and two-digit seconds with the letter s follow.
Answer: 2h45
